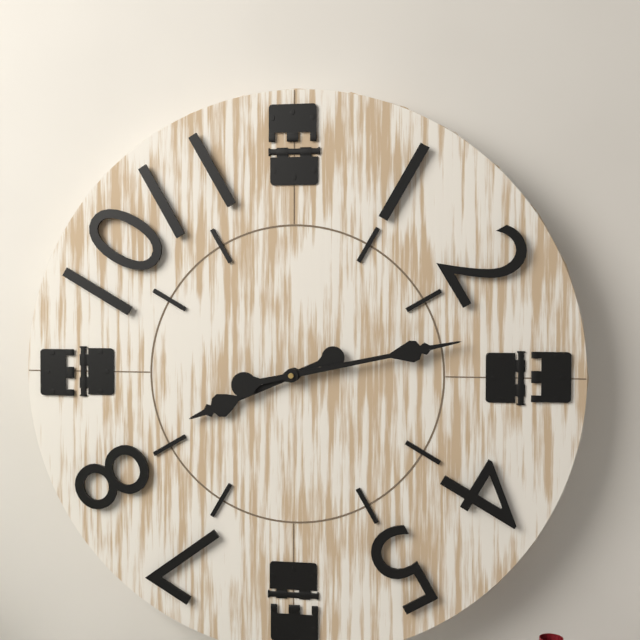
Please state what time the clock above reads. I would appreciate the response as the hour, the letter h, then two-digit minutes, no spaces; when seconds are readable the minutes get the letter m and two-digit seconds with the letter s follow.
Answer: 8h13
